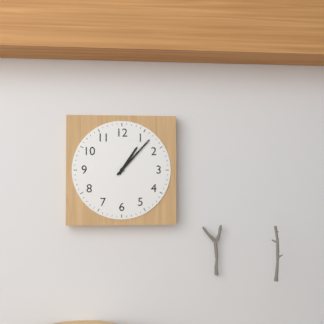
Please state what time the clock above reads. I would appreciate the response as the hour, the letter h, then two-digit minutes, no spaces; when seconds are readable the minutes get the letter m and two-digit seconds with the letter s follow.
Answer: 1h07
